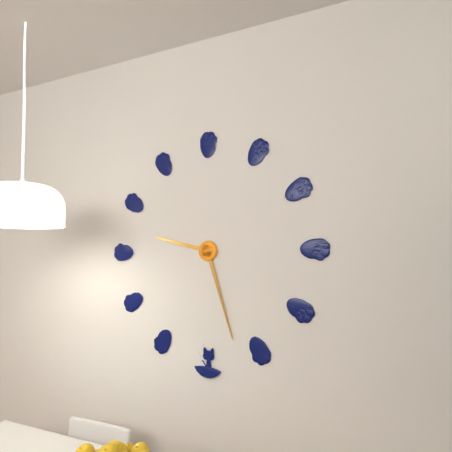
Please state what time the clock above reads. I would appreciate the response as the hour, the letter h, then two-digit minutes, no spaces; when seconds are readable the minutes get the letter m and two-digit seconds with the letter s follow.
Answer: 9h27
